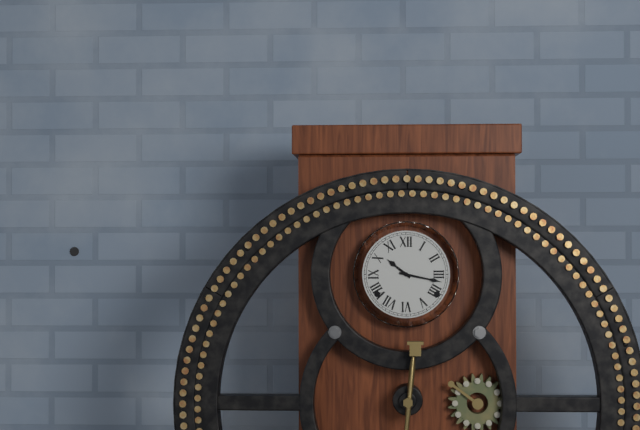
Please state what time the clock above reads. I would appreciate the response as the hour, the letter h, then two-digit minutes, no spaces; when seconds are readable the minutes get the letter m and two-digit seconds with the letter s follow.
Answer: 10h17
